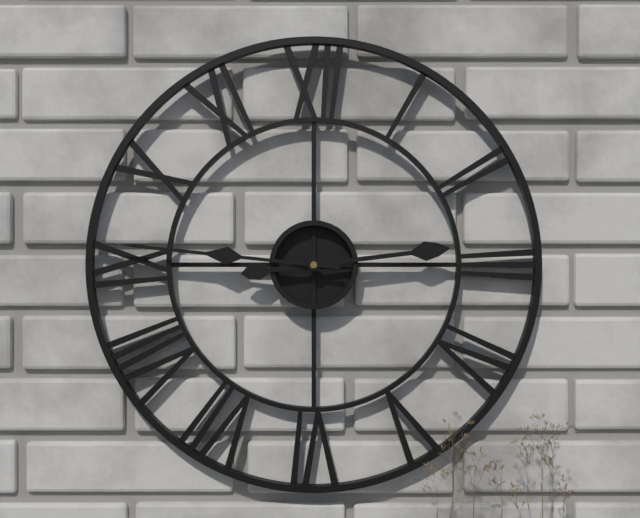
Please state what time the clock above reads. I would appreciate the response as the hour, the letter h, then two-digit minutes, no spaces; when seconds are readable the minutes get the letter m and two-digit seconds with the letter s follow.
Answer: 2h46
